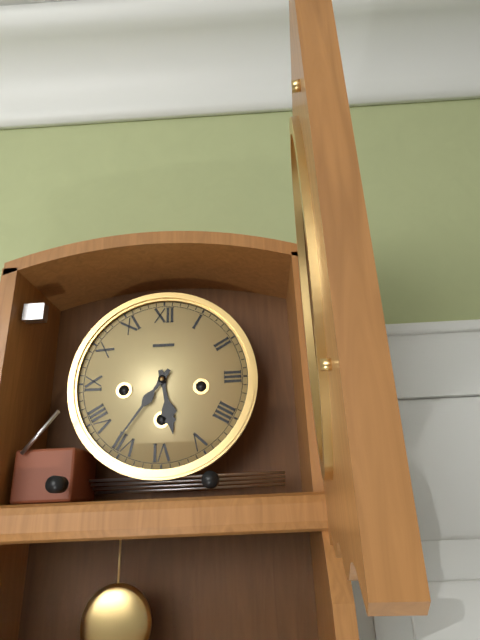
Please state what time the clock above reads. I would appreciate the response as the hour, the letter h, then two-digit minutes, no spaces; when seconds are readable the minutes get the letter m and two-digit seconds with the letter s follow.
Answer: 5h36
